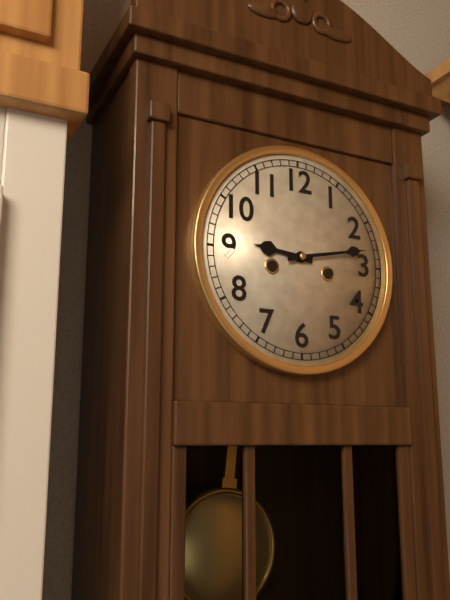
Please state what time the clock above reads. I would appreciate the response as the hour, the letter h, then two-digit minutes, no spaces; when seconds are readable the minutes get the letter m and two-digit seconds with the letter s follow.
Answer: 9h13
